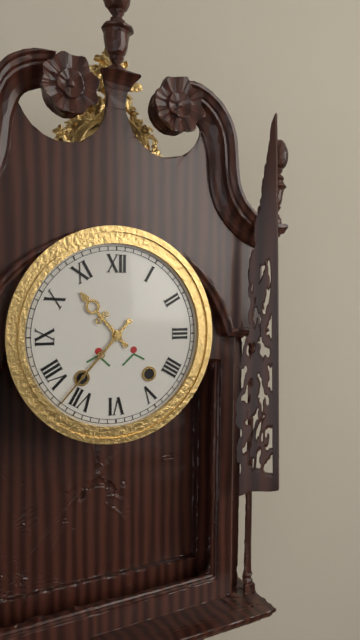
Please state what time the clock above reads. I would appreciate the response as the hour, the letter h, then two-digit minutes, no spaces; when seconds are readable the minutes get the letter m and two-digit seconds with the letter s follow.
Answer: 10h37
